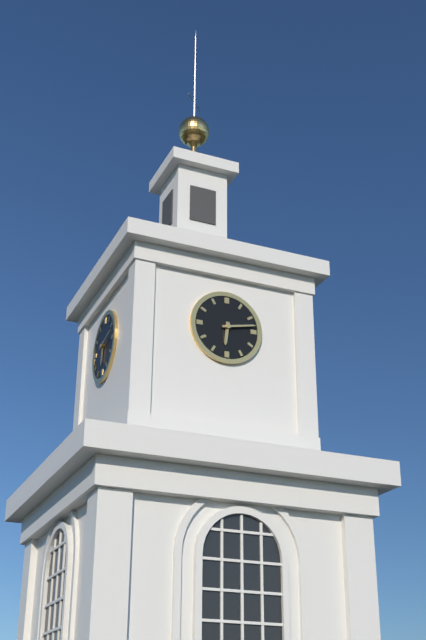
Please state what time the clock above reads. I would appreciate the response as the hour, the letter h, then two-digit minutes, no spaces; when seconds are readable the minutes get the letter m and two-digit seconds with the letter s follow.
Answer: 6h13
